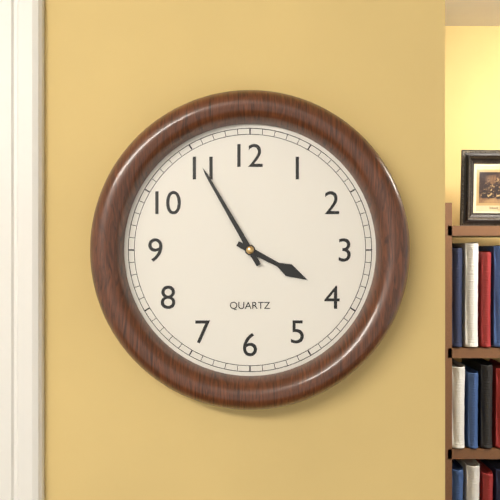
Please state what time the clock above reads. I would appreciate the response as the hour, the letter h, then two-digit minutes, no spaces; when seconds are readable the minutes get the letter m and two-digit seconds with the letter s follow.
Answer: 3h55
